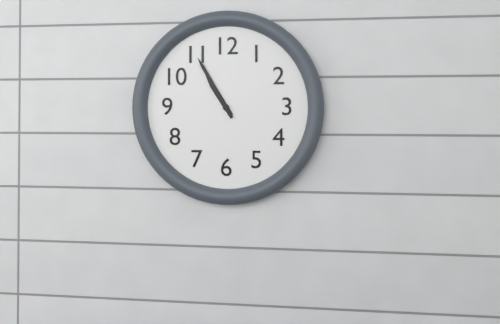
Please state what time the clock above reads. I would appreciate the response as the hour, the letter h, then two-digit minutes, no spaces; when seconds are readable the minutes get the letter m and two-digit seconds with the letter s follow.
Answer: 10h55
